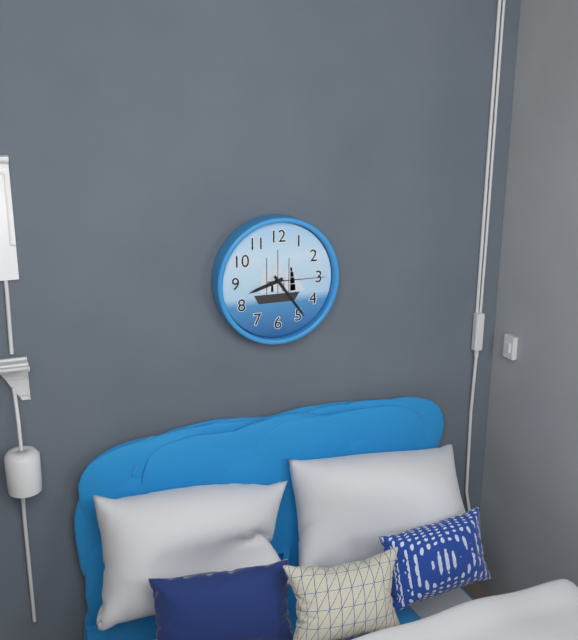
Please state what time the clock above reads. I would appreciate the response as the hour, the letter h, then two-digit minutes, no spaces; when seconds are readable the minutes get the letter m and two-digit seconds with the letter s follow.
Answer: 8h24m15s
